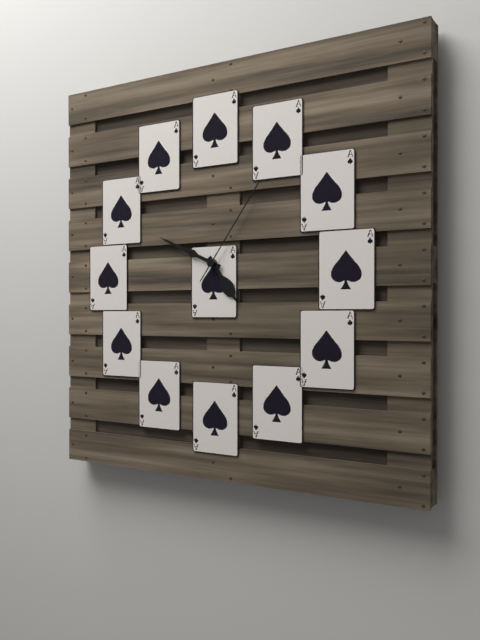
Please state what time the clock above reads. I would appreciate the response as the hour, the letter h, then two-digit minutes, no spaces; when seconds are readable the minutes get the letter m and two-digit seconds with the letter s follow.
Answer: 4h49m06s
